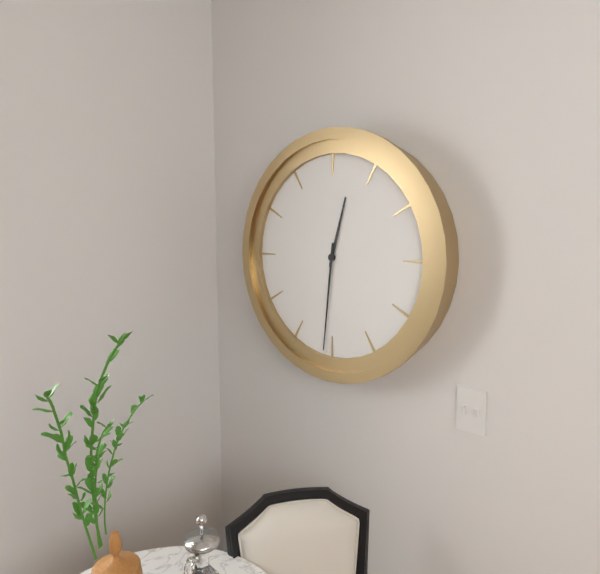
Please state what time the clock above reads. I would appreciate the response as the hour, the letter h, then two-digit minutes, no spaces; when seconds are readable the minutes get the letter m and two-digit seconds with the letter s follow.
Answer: 12h31
